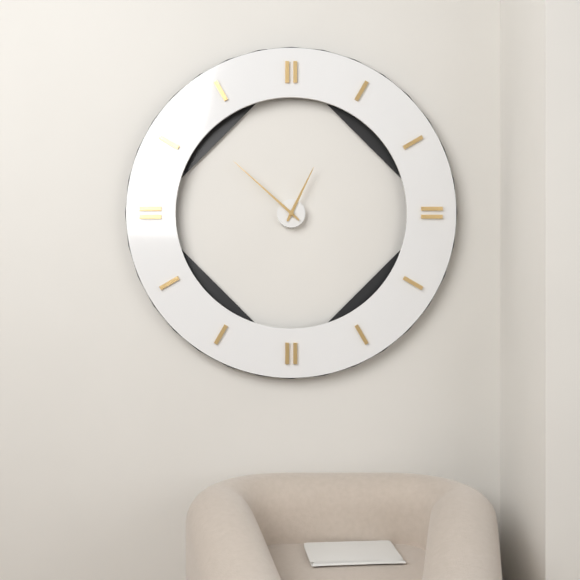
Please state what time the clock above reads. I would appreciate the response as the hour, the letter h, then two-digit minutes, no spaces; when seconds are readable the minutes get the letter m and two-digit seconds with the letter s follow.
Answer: 12h52
